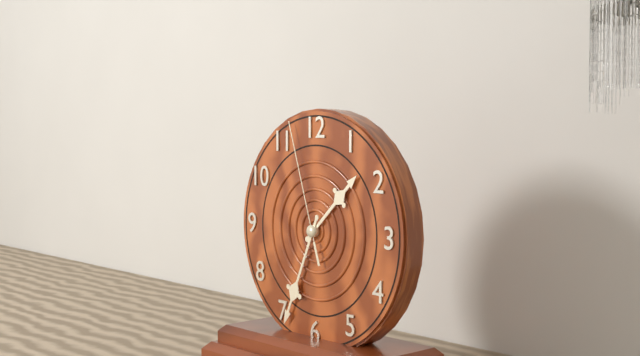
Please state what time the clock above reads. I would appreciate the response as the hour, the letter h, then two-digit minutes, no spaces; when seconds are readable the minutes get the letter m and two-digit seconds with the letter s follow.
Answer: 1h34m57s
